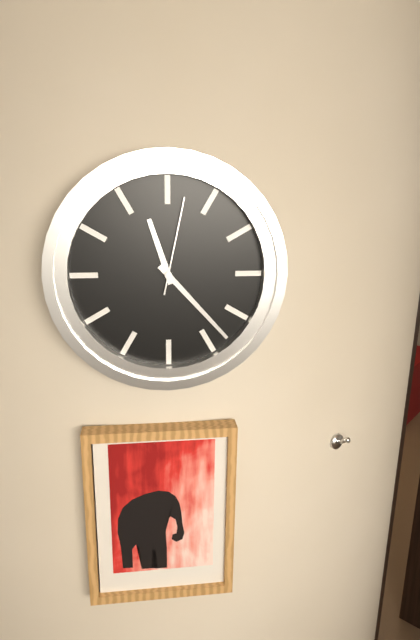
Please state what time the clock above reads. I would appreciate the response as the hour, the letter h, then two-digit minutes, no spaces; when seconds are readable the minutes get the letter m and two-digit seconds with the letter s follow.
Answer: 11h23m02s
